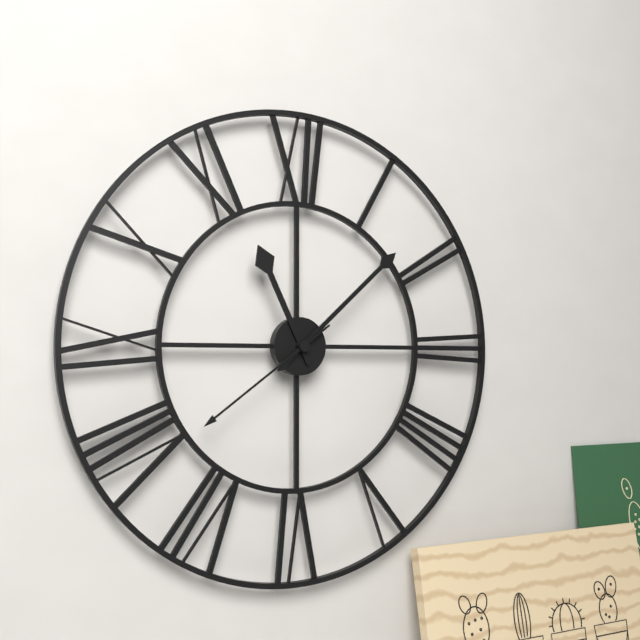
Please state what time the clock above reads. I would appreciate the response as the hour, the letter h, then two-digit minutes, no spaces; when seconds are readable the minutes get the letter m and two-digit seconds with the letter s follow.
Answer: 11h08m39s
